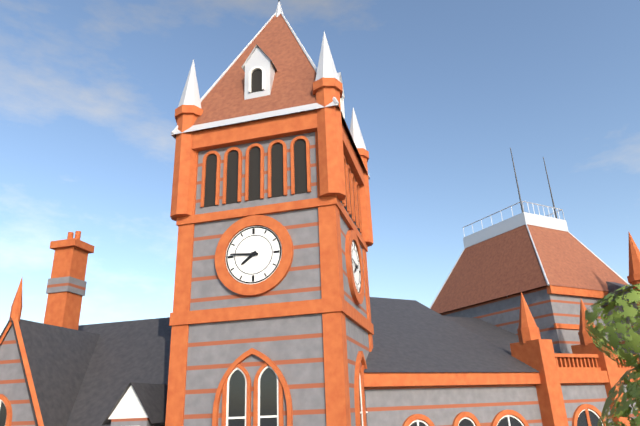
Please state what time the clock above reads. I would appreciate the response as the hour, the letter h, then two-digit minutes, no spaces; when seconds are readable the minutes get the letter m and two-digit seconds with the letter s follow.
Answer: 7h46
